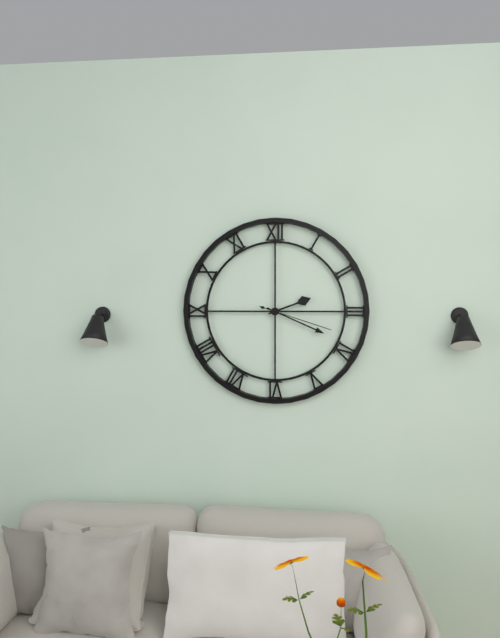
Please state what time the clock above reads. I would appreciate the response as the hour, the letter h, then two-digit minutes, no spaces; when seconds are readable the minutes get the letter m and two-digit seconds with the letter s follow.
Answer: 2h19m18s
